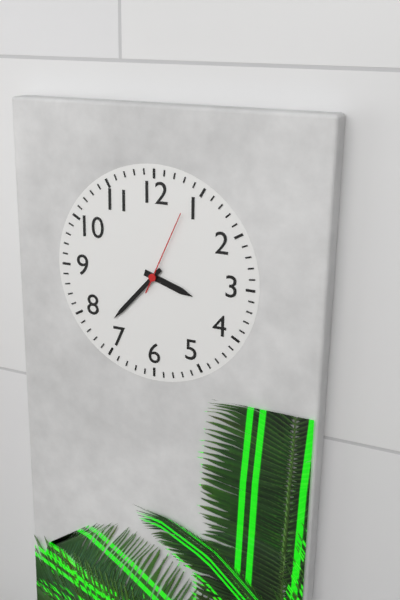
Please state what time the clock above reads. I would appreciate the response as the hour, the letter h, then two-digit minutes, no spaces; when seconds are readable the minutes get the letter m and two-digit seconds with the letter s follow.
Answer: 3h37m04s
